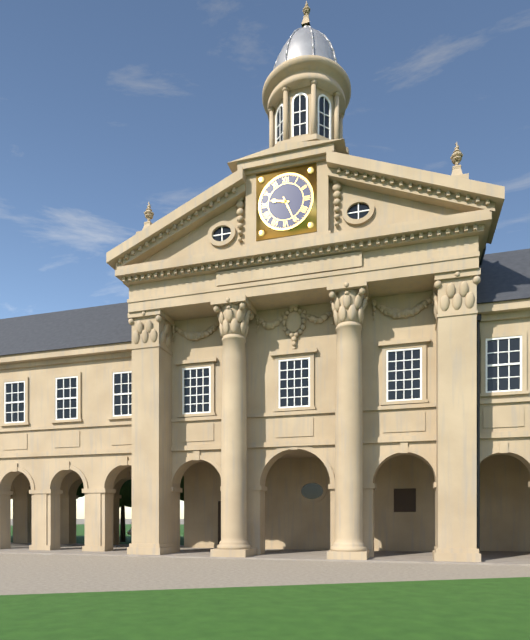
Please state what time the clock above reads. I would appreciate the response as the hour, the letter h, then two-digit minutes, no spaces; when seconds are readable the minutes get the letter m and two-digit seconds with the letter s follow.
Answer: 9h26
